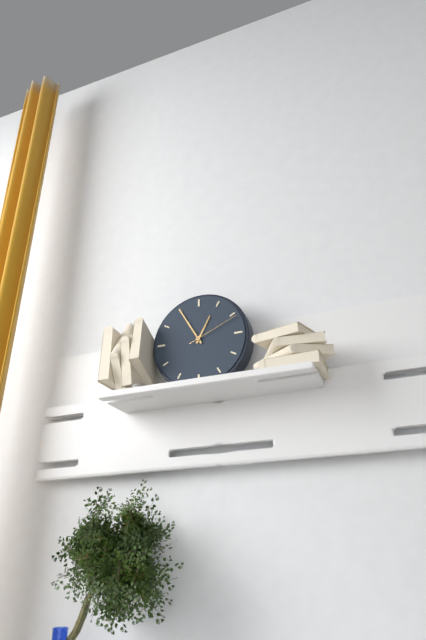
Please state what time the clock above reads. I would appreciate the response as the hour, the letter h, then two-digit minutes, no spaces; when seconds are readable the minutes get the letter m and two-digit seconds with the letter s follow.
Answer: 12h55m11s
